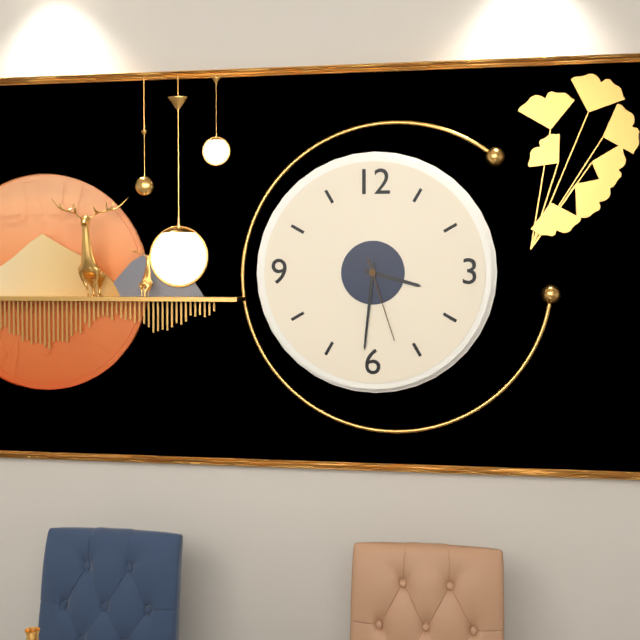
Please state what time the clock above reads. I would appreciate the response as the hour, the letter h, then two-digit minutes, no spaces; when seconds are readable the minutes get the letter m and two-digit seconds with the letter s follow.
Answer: 3h31m27s
